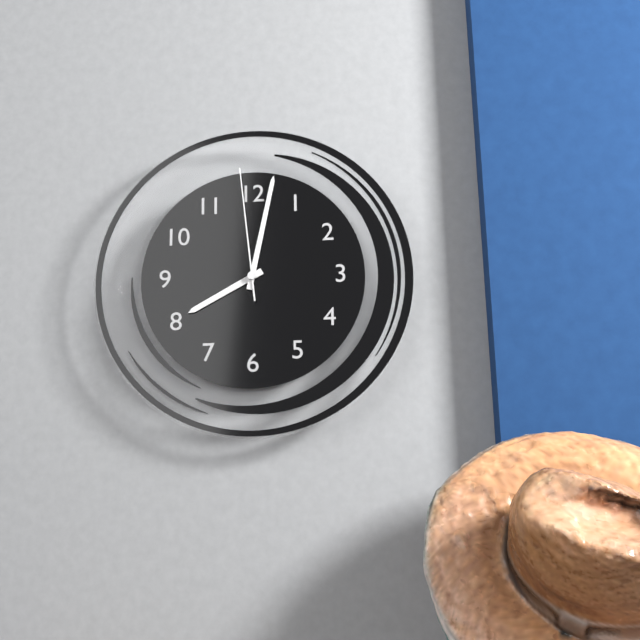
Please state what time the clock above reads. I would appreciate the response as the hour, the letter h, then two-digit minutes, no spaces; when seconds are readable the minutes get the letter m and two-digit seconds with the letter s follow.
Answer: 8h02m59s
